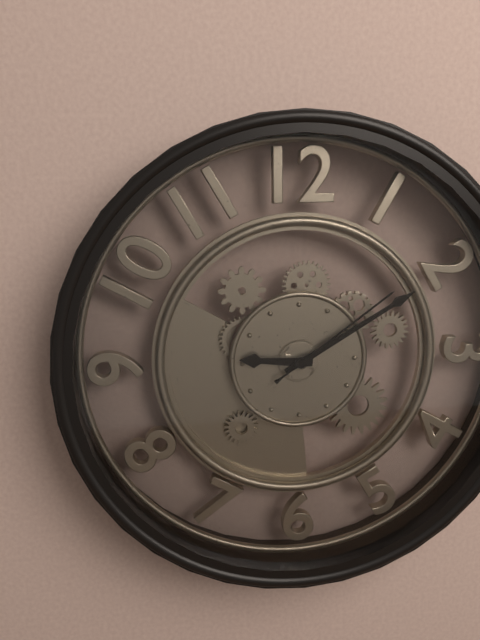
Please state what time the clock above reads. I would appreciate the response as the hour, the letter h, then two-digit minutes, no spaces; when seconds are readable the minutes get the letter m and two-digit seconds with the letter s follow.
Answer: 9h10m09s
